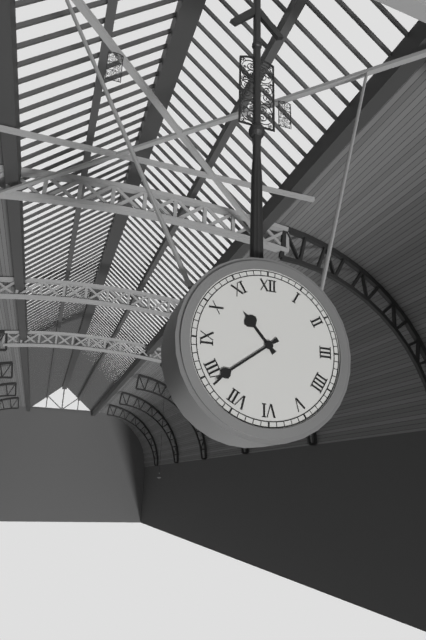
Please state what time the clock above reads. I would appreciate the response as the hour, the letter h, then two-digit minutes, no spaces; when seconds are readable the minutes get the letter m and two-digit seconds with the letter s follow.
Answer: 10h39
